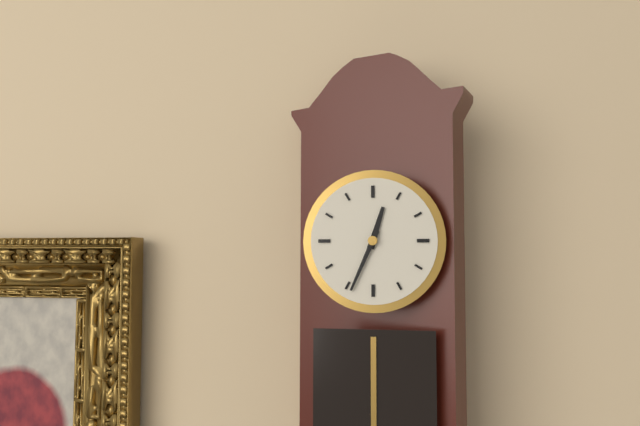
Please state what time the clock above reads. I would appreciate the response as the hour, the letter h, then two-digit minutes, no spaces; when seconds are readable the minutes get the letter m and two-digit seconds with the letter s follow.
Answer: 12h34
